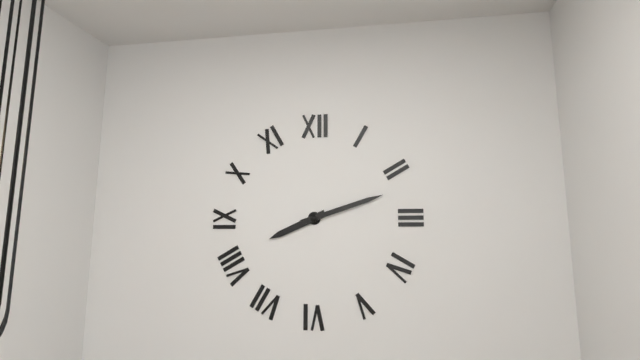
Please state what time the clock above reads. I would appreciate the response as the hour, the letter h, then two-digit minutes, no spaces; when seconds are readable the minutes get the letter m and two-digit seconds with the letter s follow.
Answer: 8h12
